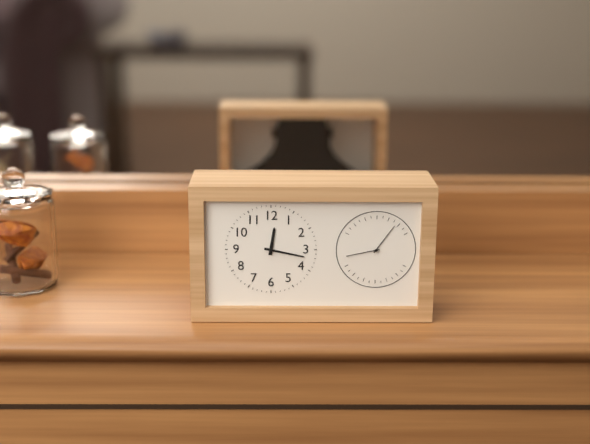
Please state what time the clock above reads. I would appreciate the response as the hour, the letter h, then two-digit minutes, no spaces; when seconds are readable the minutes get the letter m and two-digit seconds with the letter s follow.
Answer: 12h17
